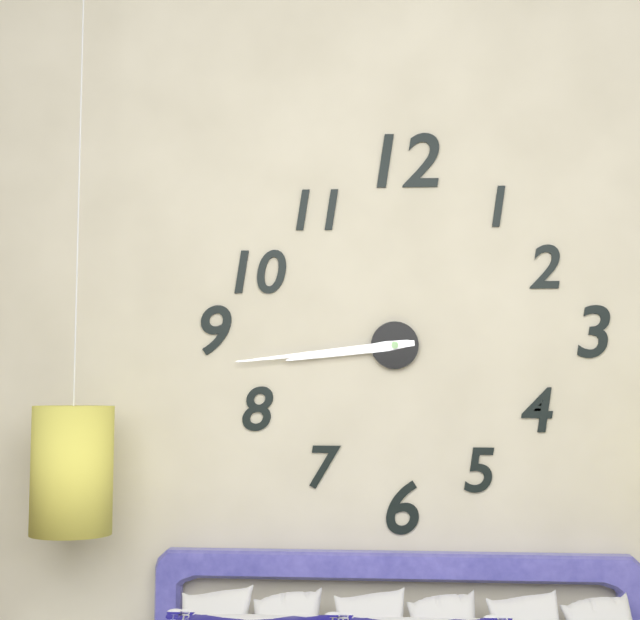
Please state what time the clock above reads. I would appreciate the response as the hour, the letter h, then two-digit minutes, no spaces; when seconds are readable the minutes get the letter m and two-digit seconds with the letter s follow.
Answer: 8h44
